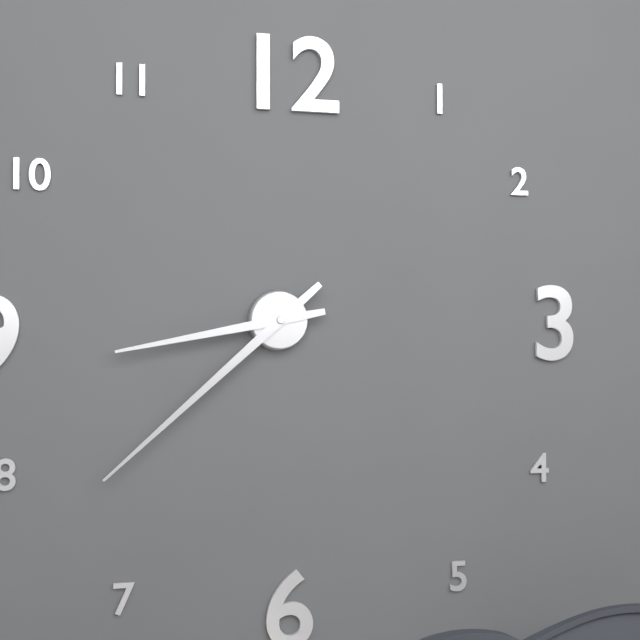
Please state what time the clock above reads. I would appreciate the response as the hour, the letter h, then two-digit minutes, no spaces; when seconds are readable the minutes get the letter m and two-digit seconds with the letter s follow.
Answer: 8h38
